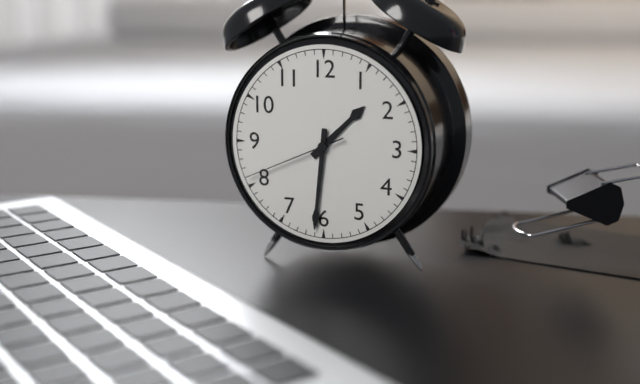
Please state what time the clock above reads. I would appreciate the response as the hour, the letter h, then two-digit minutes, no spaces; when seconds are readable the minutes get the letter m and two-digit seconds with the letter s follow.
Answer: 1h31m41s
